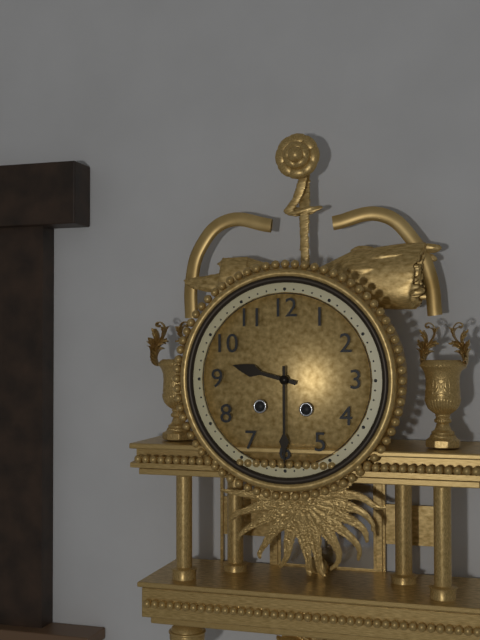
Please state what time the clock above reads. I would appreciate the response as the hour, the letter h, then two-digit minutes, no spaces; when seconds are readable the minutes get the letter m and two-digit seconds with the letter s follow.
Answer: 9h30
